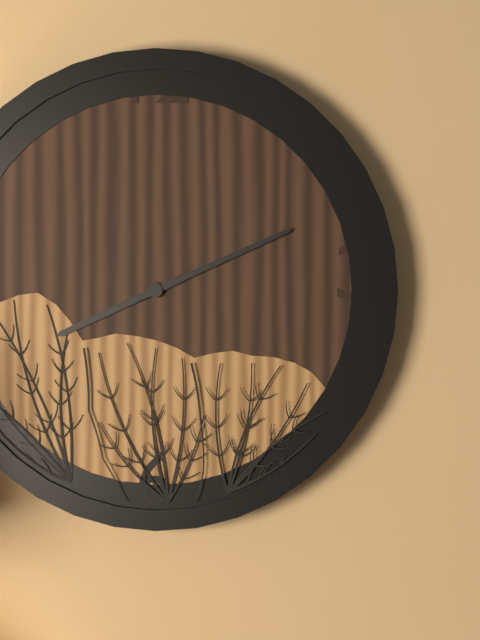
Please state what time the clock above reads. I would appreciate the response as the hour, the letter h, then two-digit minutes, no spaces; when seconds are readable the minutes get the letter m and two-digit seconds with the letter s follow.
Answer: 8h11
